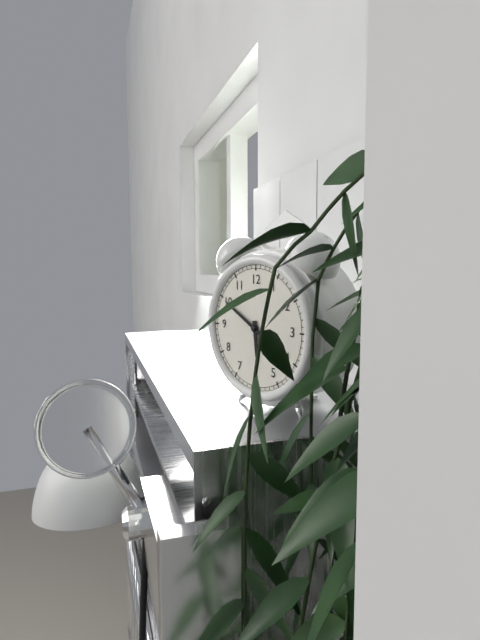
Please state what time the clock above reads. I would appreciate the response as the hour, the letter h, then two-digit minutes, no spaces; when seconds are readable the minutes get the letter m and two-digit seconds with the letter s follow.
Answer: 5h50
